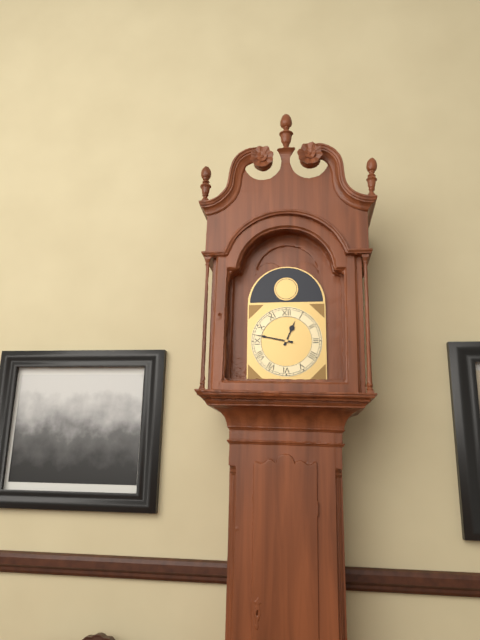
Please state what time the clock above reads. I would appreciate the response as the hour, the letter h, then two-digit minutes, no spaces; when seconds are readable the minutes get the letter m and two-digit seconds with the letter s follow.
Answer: 12h47
